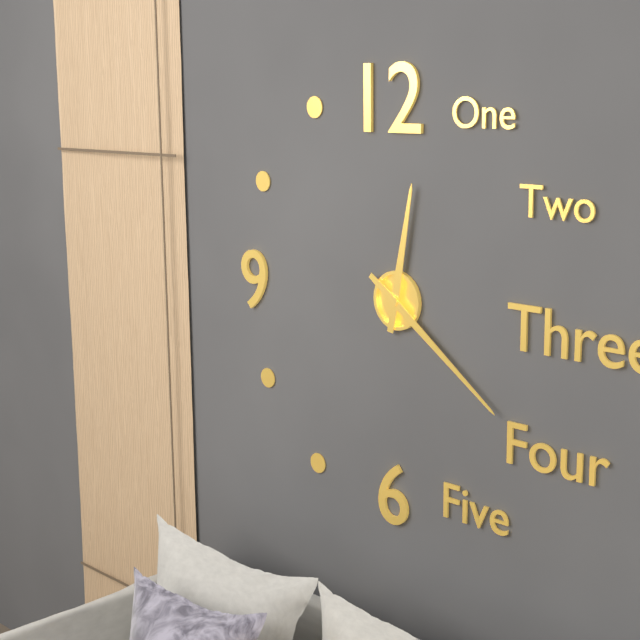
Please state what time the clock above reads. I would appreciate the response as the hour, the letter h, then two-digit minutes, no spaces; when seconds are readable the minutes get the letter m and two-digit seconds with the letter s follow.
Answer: 12h21
